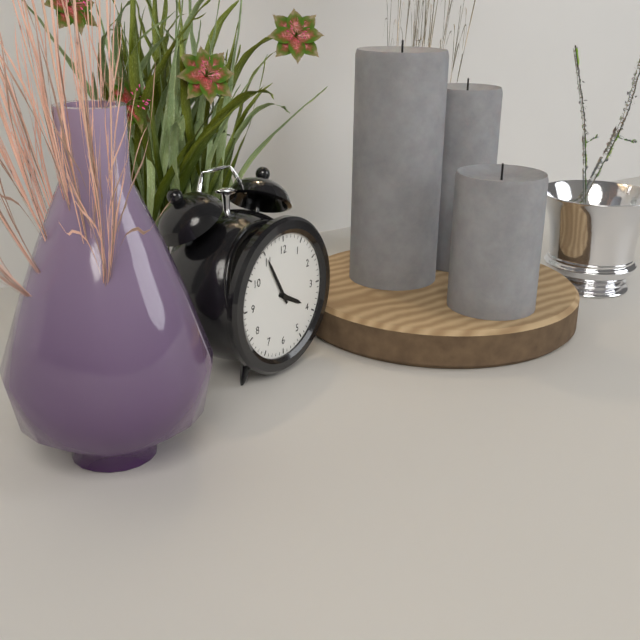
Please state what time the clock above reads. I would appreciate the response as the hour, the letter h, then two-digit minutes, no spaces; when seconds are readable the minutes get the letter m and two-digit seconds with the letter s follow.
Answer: 3h55
